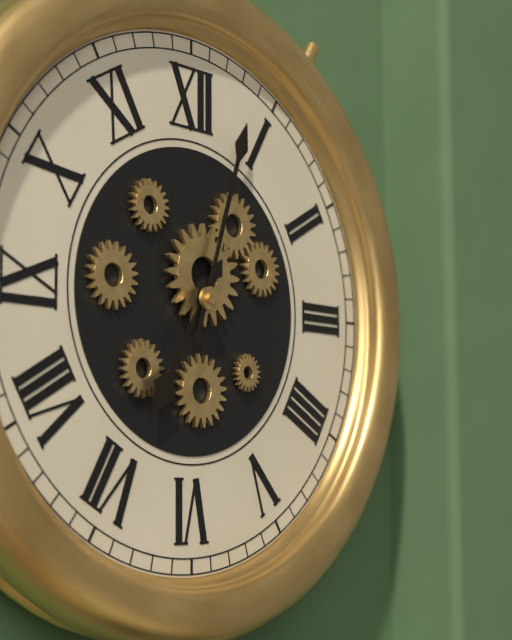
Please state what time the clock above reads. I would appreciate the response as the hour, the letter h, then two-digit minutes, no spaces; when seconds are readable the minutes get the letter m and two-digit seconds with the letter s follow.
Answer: 7h03
